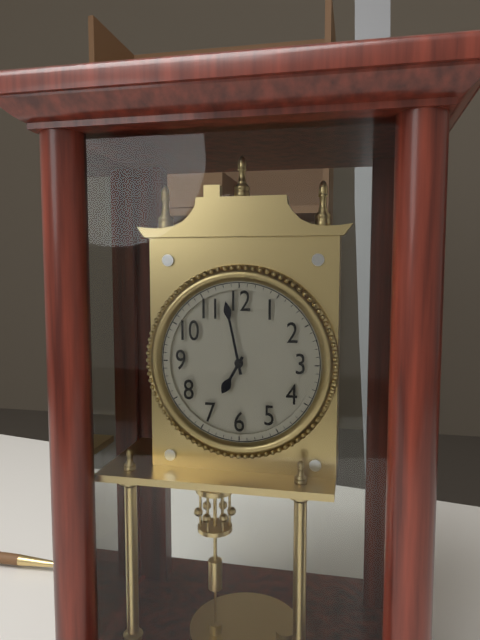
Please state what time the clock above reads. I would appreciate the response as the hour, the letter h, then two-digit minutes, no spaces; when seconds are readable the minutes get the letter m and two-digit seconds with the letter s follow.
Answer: 6h58
